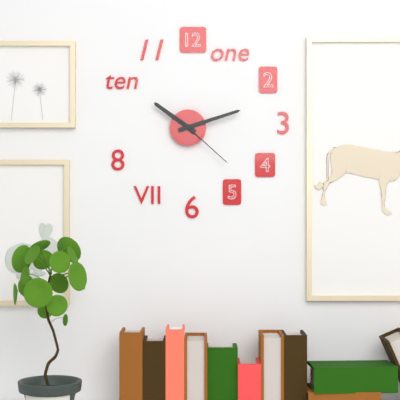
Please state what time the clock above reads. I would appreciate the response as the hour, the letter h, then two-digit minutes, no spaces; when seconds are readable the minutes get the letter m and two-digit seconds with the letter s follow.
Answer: 10h12m22s
